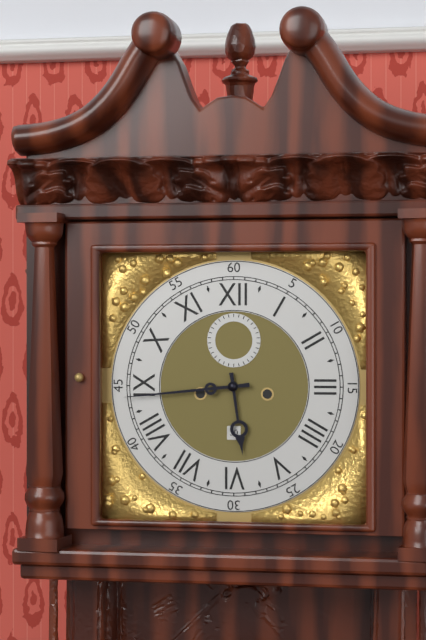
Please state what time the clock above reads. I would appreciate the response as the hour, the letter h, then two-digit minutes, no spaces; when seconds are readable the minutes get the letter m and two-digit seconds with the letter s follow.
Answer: 5h44
